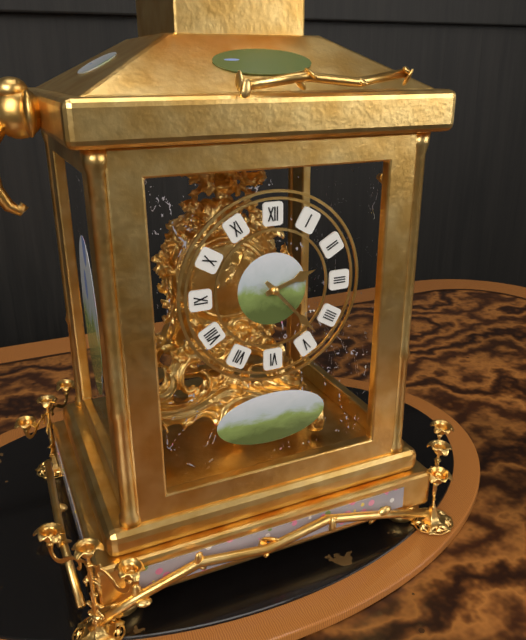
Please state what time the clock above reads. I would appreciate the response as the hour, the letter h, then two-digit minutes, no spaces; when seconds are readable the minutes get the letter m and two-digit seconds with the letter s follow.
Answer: 2h23
